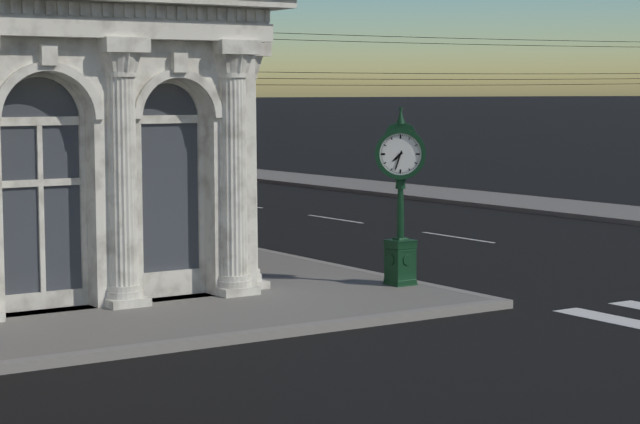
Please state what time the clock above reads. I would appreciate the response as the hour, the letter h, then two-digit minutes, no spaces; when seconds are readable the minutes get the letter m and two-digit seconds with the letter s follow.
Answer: 7h33
